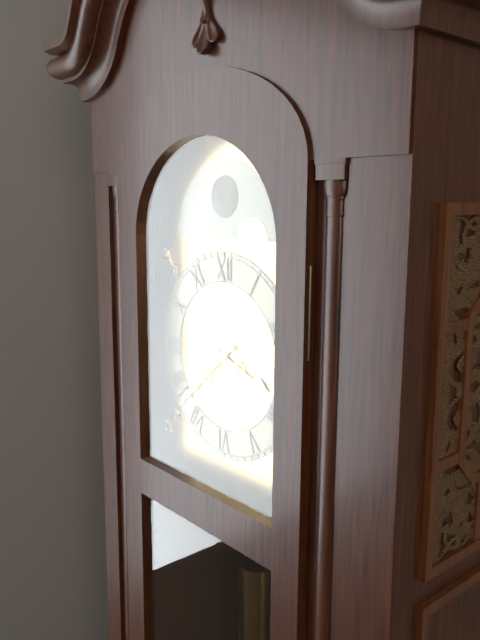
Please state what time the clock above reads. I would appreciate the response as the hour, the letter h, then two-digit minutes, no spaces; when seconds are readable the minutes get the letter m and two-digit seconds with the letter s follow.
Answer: 3h38
